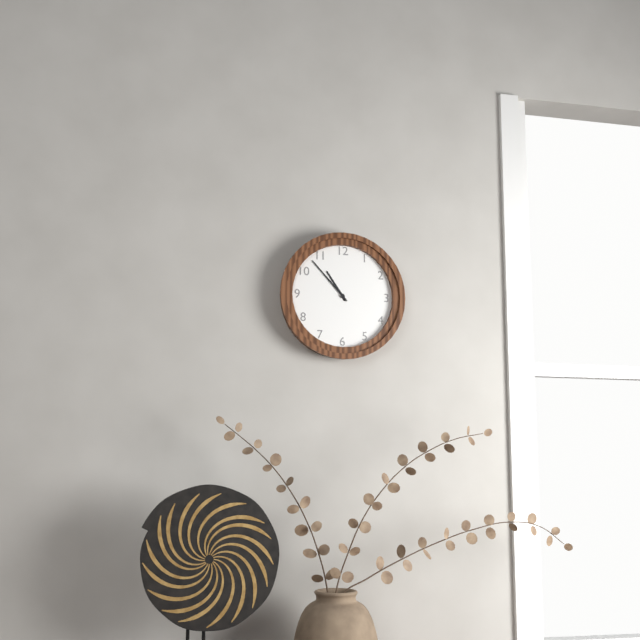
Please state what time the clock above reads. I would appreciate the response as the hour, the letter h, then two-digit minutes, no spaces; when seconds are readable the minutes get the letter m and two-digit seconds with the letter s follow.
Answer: 10h53
